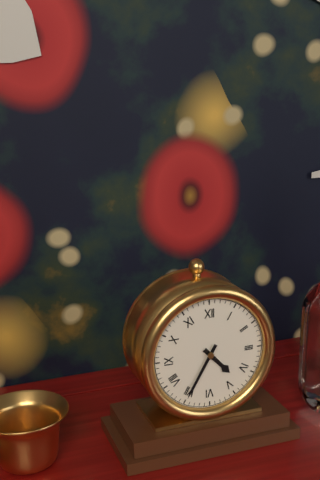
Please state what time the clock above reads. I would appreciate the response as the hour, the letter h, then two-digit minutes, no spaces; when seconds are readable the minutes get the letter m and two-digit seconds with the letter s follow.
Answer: 4h35
